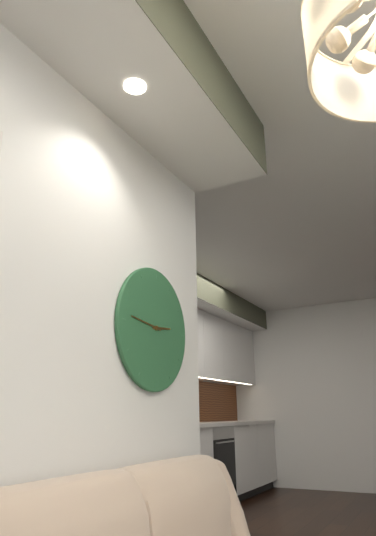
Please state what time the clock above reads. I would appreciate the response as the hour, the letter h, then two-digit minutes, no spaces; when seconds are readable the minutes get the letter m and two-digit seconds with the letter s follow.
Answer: 2h46
